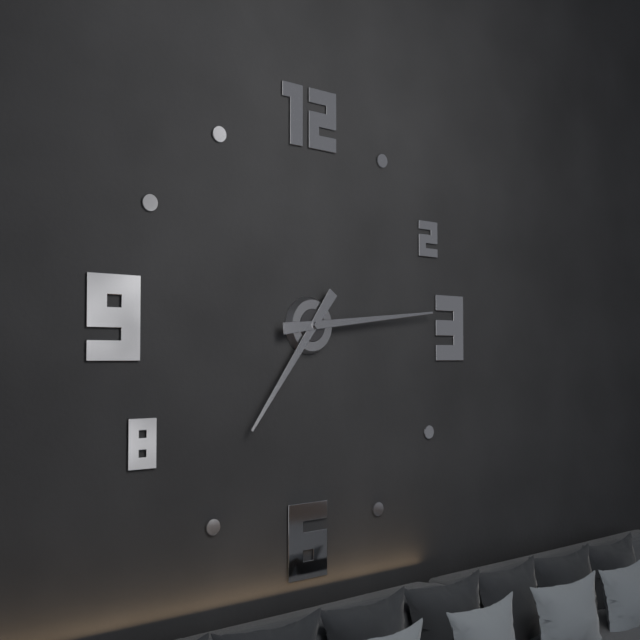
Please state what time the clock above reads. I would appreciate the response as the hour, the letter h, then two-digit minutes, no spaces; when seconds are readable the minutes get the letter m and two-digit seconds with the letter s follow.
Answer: 7h14
